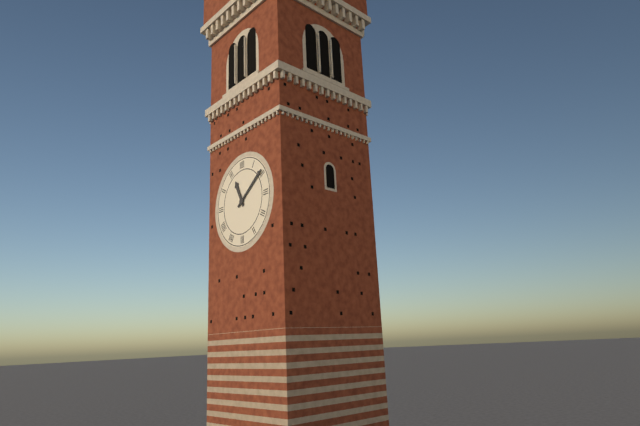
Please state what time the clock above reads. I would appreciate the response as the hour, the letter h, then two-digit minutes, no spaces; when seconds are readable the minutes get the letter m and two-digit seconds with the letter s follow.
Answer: 11h09
